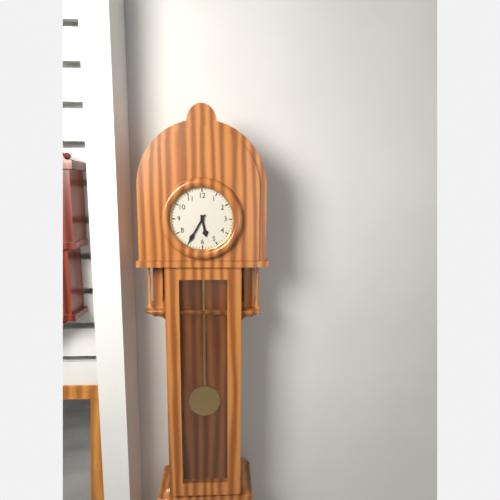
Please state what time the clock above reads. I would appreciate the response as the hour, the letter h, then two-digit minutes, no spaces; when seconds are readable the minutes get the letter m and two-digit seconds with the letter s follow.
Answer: 5h35
